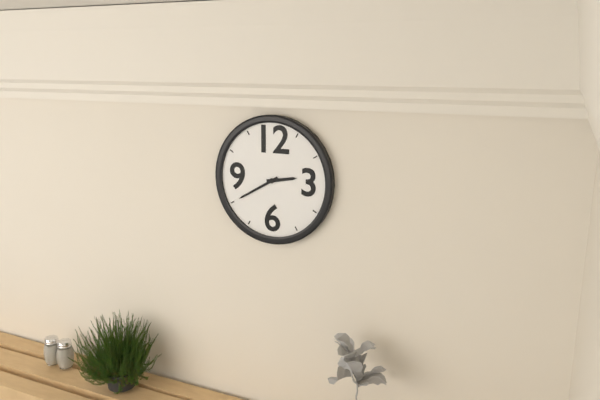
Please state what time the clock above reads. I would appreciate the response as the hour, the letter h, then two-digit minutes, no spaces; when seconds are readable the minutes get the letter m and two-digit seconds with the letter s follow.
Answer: 2h40
